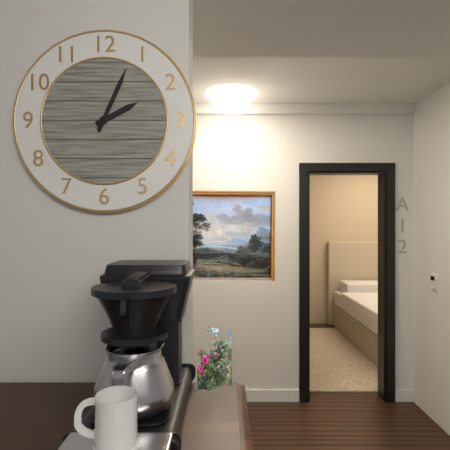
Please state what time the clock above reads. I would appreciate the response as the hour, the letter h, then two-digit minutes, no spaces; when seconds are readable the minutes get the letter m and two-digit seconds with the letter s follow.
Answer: 2h04
